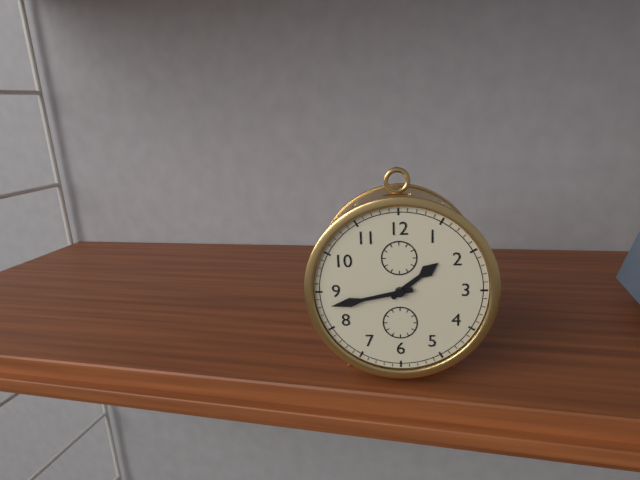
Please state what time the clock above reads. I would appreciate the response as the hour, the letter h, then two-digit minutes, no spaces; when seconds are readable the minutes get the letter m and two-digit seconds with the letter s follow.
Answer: 1h43
